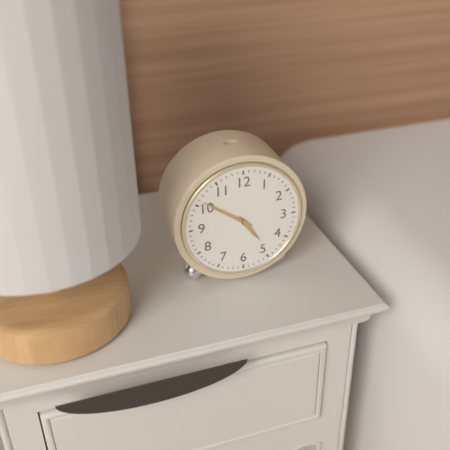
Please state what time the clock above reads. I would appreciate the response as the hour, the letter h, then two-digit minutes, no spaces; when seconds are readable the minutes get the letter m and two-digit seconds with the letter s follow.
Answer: 4h51
